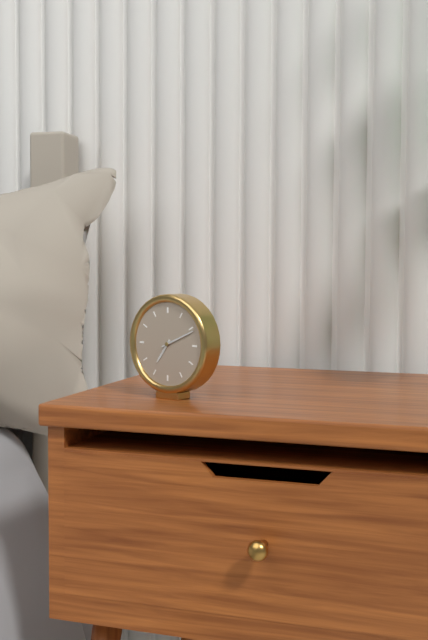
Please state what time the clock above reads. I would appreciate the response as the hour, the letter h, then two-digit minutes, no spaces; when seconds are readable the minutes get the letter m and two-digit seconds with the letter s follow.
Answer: 7h11
